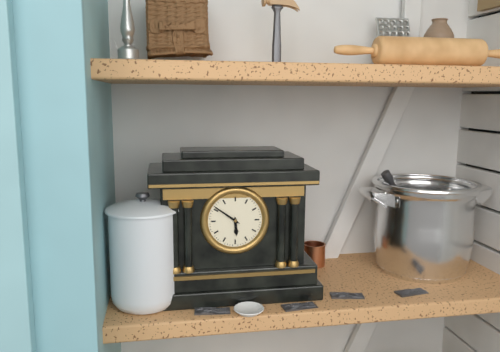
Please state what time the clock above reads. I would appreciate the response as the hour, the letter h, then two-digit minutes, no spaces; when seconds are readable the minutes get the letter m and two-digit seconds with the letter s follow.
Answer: 5h51
